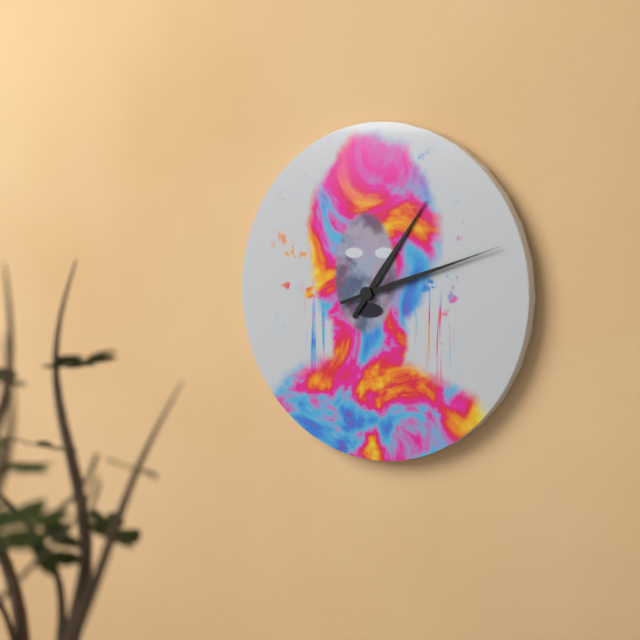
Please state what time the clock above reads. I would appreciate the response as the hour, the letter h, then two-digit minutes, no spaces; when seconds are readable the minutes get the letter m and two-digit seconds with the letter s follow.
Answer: 1h12
